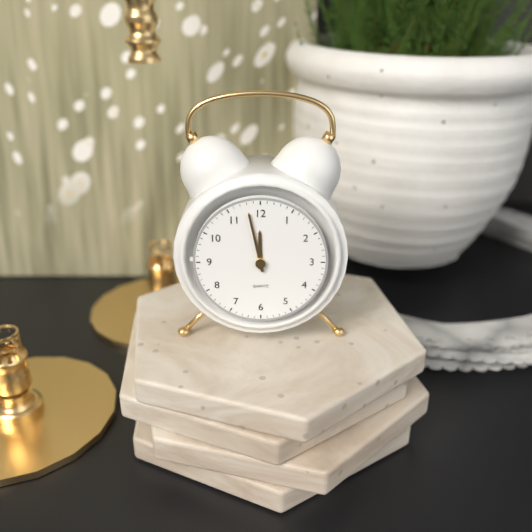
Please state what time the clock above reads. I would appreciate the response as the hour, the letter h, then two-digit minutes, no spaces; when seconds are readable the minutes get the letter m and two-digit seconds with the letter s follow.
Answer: 11h58
